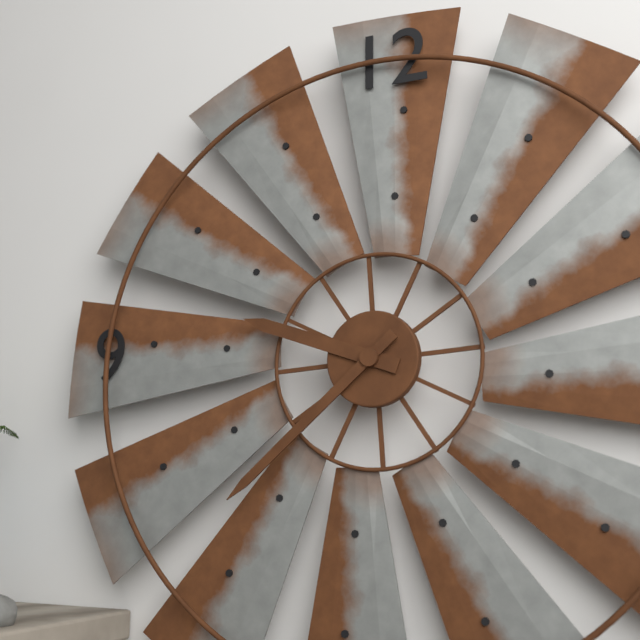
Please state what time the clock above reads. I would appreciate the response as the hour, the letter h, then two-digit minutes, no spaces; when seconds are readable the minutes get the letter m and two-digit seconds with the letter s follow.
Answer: 9h38
